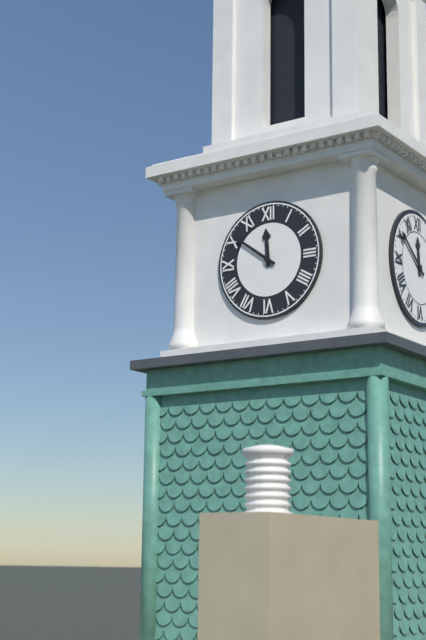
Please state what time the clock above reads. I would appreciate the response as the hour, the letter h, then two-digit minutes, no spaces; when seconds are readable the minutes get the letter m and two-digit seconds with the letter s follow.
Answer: 11h51
